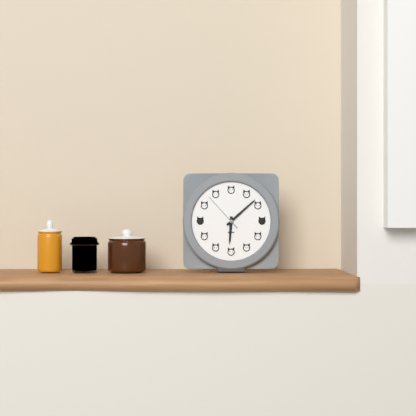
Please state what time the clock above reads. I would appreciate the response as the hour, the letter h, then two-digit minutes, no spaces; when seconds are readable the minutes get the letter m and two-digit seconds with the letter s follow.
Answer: 6h08
